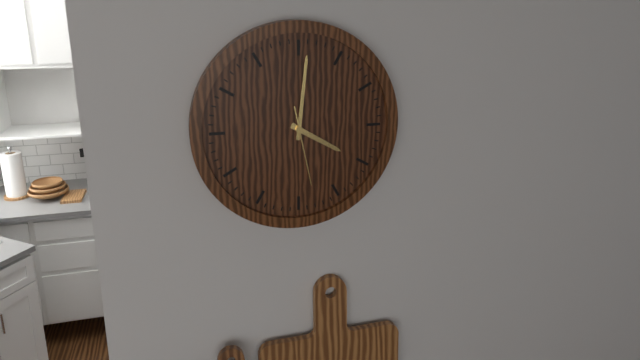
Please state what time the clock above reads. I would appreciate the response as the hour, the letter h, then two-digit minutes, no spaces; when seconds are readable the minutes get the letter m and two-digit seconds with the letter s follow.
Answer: 4h01m28s
